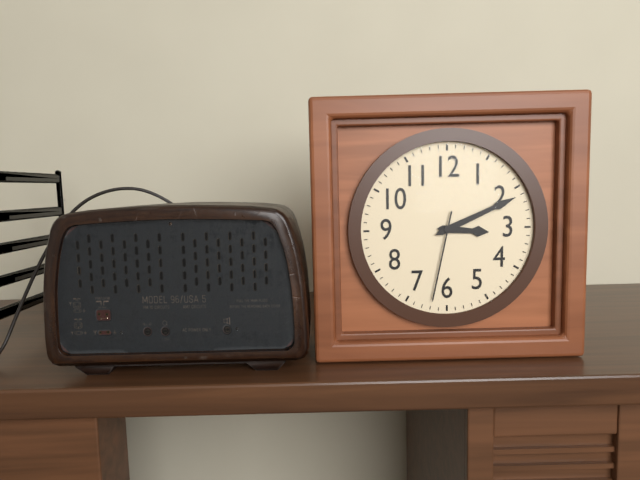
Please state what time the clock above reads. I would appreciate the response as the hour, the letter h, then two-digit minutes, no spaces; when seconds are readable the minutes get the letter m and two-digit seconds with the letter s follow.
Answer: 3h11m32s
